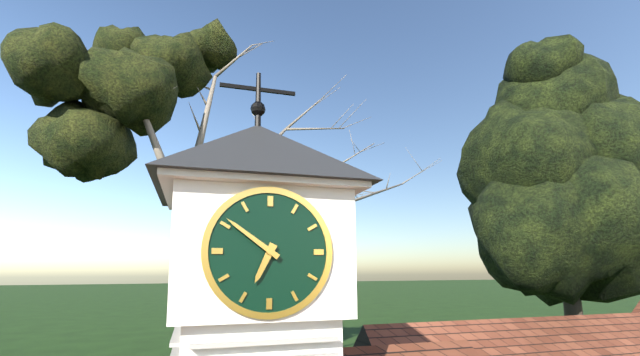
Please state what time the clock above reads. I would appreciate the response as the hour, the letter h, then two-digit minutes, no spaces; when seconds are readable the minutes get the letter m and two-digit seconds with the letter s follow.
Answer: 6h51
